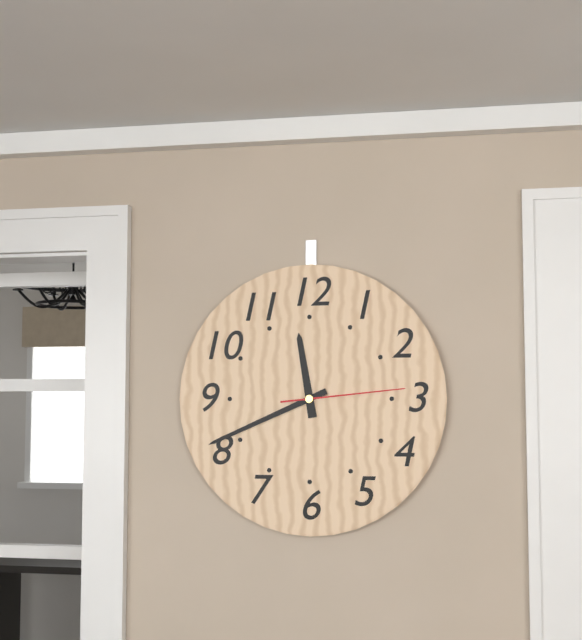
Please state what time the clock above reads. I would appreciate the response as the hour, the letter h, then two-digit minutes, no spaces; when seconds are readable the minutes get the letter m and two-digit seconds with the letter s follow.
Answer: 11h41m14s
